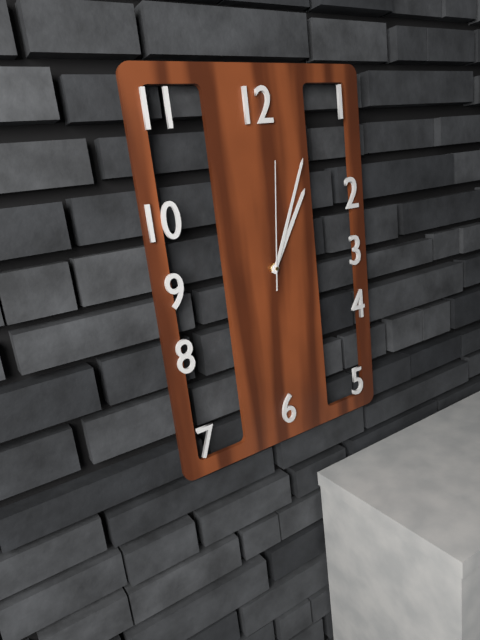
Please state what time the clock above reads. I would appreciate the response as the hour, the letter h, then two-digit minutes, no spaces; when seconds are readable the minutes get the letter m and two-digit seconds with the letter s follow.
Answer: 1h04m01s
